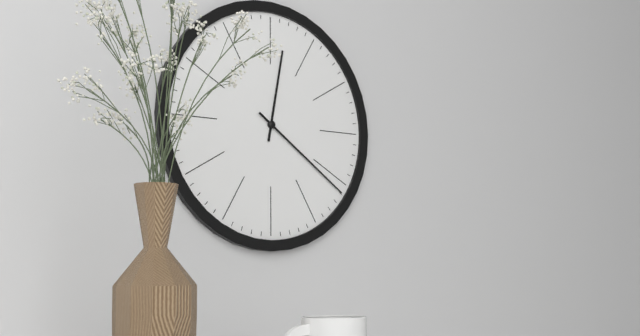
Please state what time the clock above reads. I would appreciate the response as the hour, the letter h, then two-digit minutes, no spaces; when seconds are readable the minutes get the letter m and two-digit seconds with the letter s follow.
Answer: 12h21
